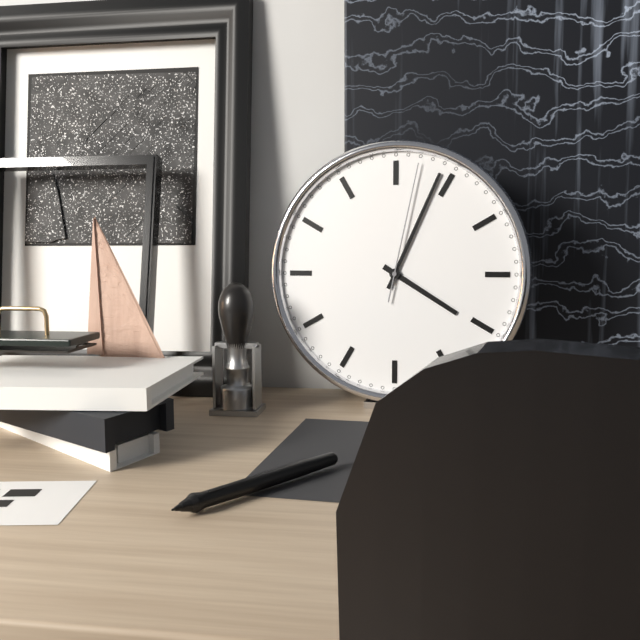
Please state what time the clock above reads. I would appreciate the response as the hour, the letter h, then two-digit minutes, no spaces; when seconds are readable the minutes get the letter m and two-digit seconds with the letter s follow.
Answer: 4h04m02s
